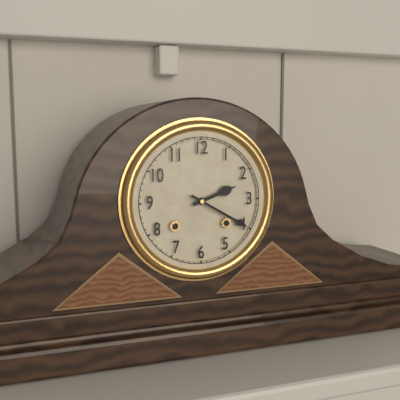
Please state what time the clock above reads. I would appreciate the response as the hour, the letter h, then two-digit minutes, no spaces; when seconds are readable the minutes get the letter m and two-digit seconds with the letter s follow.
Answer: 2h20
